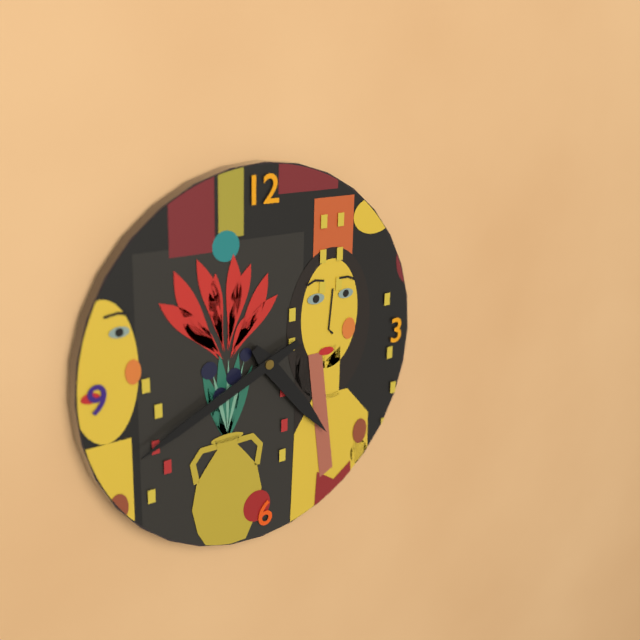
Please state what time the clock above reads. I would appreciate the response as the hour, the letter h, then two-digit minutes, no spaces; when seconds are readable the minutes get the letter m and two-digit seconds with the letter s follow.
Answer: 4h41
